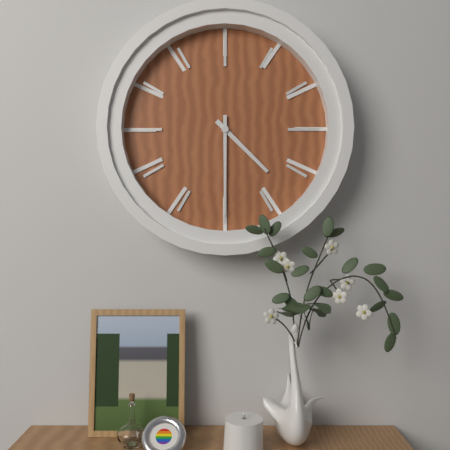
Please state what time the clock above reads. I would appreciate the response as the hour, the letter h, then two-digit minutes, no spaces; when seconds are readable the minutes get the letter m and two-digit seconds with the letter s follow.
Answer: 4h30
